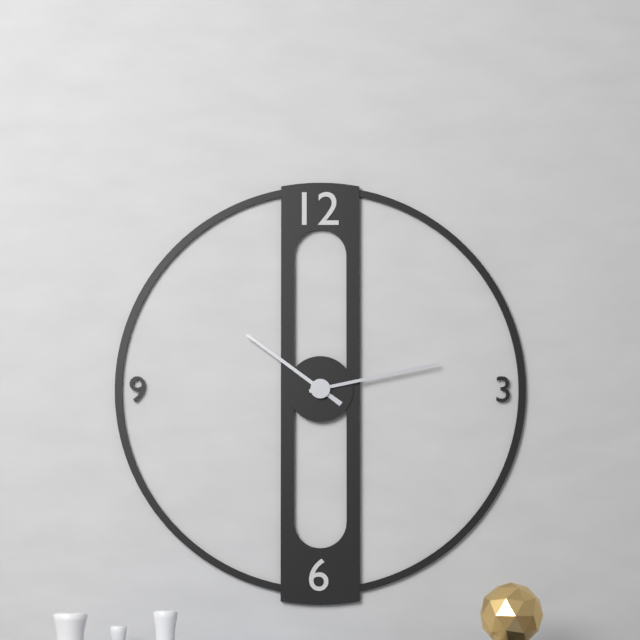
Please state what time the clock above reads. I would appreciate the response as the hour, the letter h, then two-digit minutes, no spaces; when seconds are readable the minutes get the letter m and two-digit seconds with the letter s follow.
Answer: 10h13
